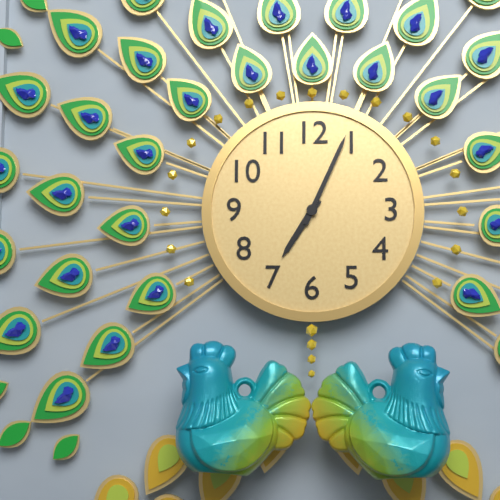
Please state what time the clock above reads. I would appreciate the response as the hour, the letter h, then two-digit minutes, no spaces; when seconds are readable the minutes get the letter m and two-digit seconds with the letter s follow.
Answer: 7h04
